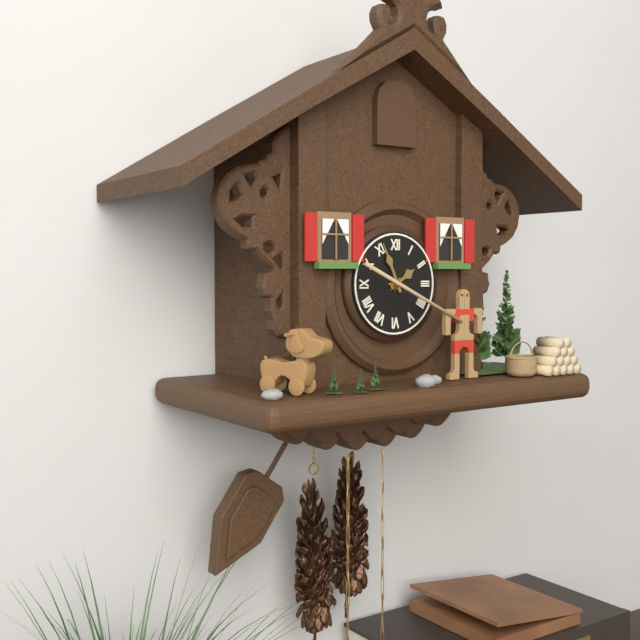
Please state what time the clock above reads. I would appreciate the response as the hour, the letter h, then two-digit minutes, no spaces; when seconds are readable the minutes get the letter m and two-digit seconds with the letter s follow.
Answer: 1h56
